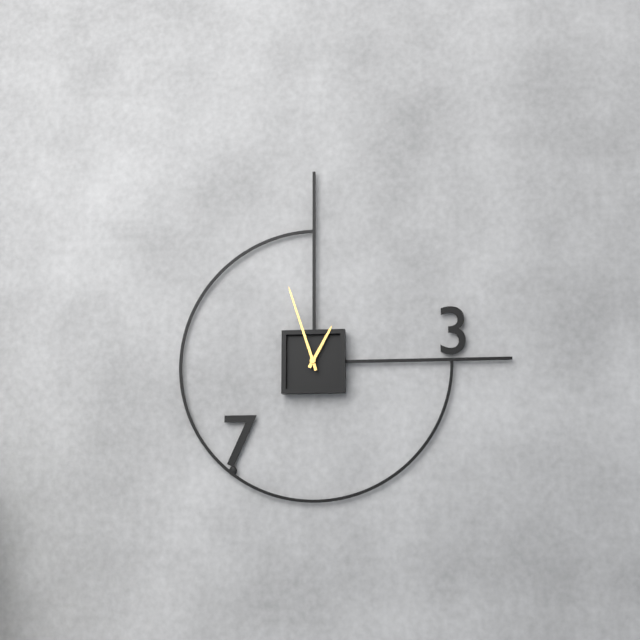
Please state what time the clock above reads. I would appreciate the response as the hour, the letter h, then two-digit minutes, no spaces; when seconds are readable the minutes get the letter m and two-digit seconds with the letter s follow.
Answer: 12h57
